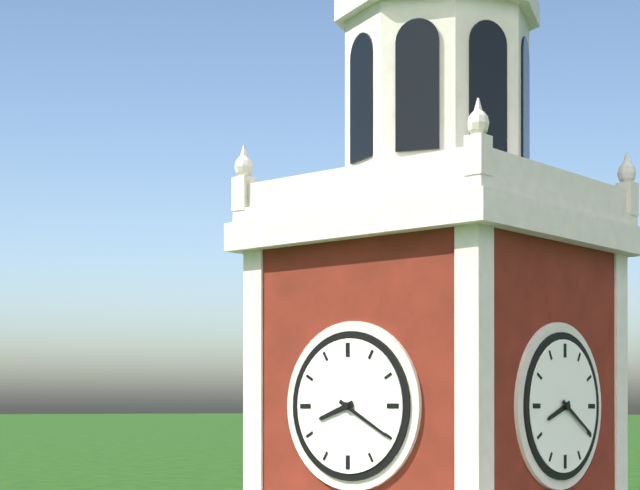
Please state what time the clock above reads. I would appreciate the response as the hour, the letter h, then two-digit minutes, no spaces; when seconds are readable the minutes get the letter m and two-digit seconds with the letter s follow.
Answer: 8h20
